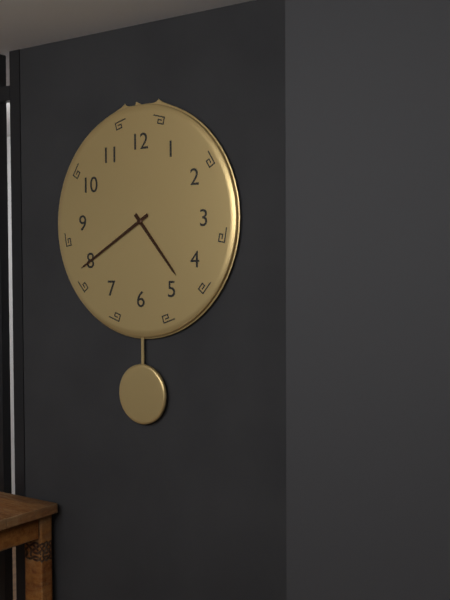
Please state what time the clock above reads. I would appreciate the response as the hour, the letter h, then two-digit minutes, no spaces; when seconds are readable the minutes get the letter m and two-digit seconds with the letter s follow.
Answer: 4h40
